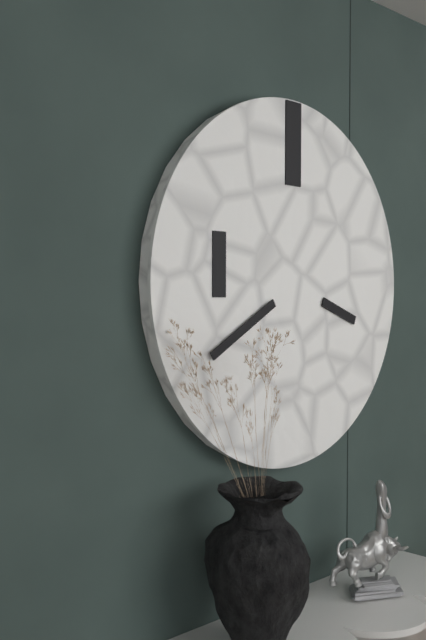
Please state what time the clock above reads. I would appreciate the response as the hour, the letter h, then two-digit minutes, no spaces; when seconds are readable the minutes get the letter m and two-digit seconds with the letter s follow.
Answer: 3h40
